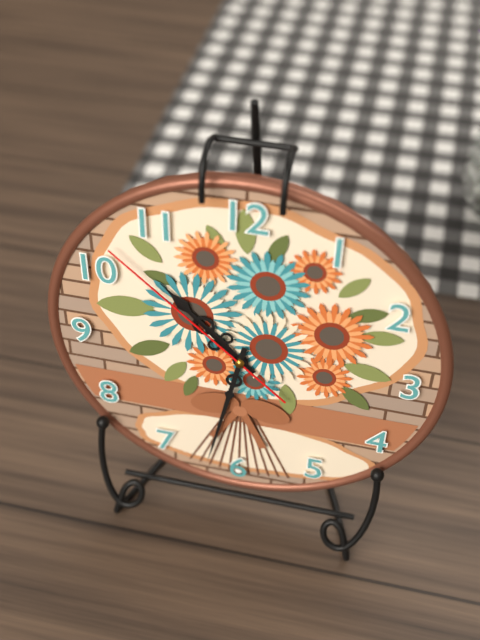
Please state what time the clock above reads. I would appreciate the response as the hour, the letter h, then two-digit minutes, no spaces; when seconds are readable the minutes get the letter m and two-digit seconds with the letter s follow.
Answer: 10h32m52s
